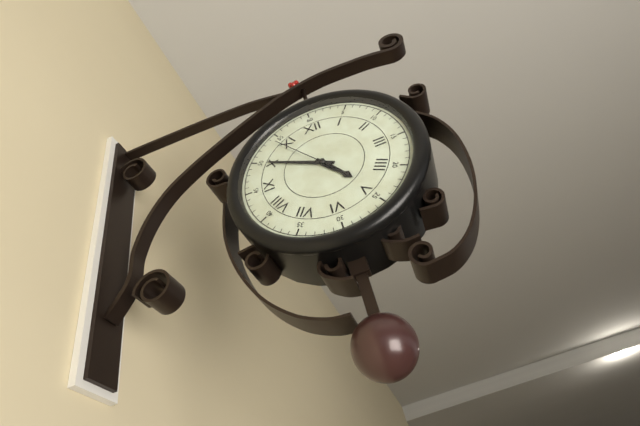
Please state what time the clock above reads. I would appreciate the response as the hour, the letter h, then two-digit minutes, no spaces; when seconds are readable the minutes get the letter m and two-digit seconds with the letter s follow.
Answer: 4h50m54s
